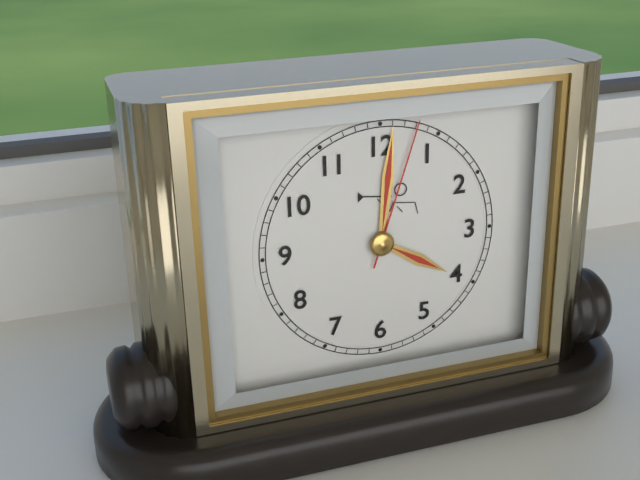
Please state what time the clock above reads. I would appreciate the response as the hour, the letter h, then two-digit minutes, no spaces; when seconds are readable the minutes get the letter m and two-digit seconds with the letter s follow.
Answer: 4h01m03s
